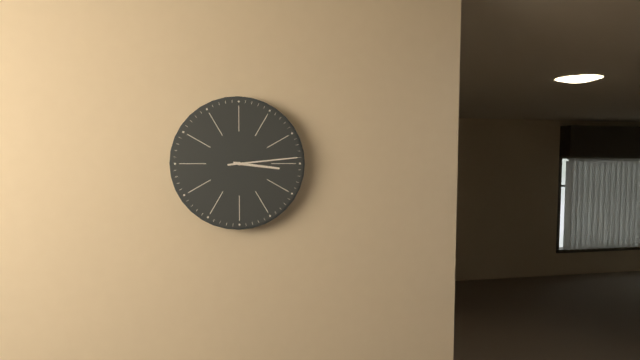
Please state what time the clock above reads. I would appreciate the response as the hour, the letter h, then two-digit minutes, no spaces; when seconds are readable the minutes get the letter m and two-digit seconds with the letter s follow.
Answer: 3h14
